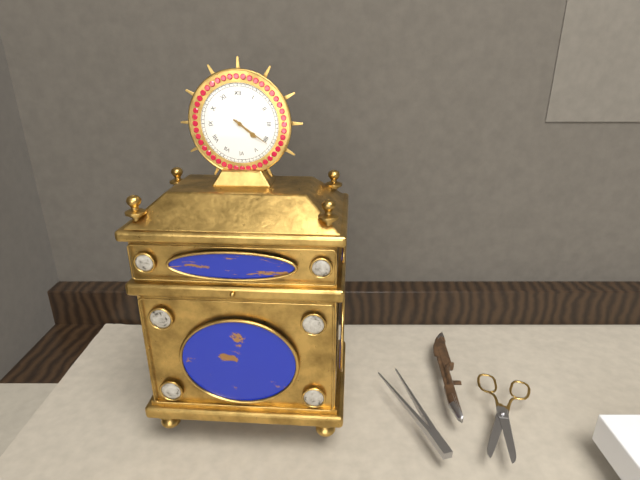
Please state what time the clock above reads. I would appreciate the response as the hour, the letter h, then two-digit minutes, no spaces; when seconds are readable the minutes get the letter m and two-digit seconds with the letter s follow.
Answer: 4h21
